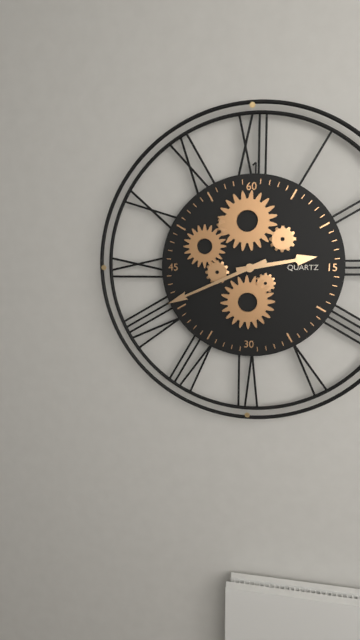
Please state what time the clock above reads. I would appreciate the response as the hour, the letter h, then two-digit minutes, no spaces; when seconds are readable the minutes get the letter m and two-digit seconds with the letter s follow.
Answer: 2h41
